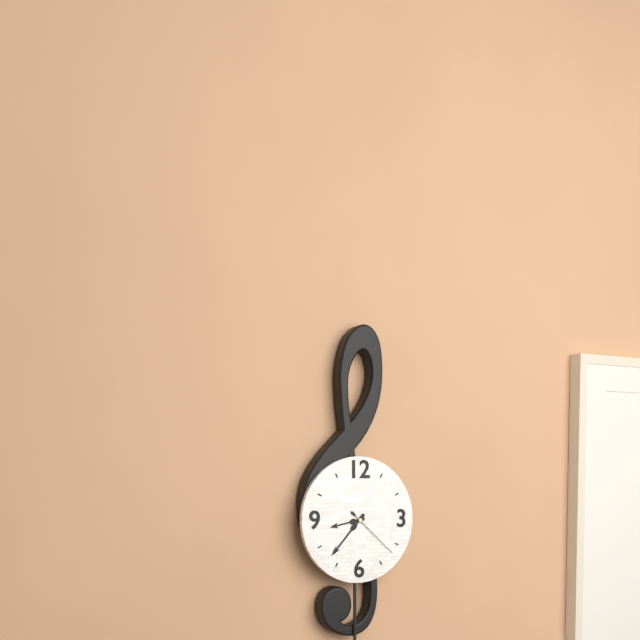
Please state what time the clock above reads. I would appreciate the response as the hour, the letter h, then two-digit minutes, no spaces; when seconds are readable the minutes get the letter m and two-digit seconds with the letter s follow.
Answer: 8h37m22s
